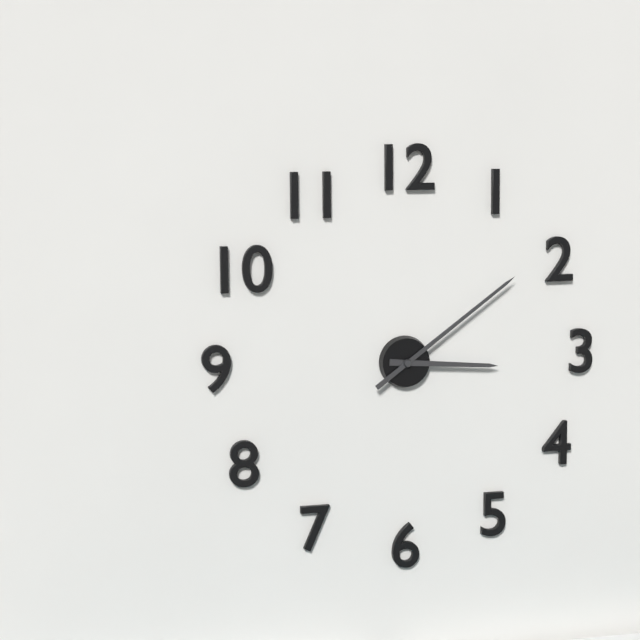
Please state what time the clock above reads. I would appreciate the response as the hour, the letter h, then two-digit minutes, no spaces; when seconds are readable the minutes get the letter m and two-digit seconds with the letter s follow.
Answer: 3h09
